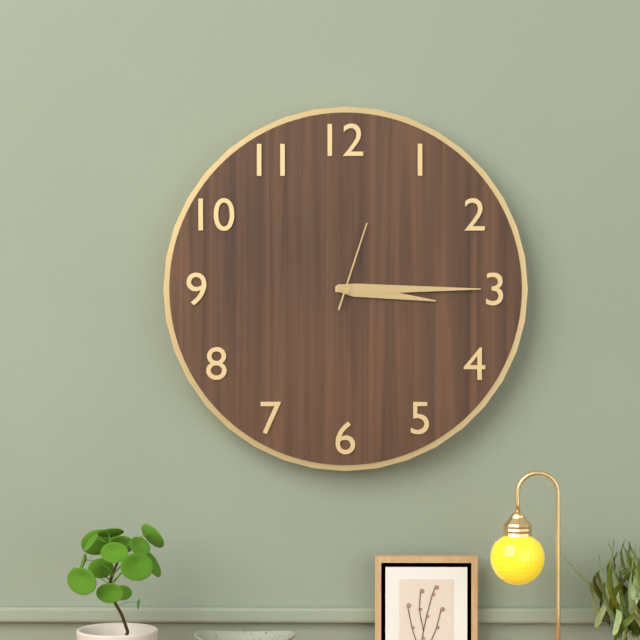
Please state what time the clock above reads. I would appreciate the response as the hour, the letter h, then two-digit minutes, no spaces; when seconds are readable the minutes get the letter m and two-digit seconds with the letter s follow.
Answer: 3h15m03s
